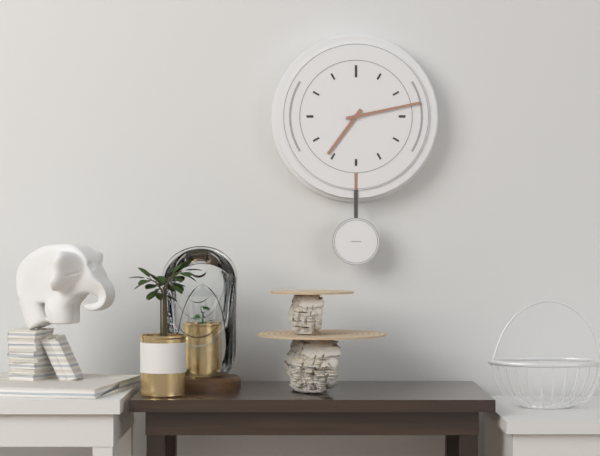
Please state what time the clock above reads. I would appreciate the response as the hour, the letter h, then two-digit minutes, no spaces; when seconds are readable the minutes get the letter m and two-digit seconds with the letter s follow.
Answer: 7h13
